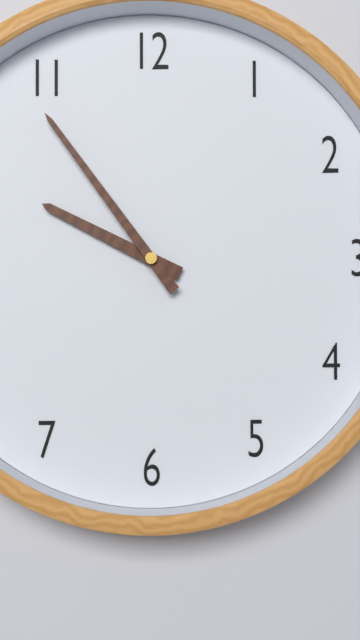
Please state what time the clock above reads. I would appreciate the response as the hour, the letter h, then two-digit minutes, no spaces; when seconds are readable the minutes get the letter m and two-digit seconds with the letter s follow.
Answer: 9h54
